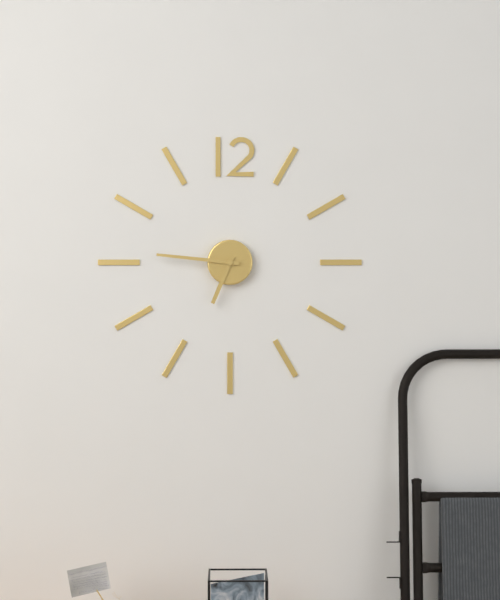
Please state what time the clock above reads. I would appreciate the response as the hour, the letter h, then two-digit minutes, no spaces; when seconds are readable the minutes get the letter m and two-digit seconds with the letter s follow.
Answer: 6h46
